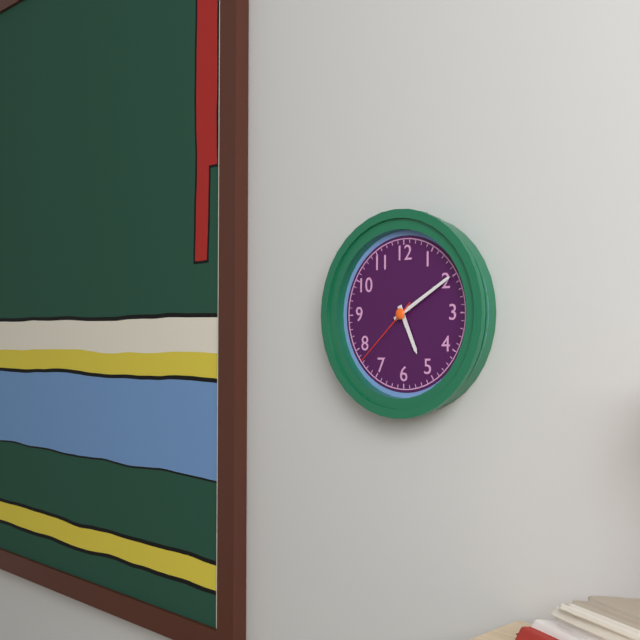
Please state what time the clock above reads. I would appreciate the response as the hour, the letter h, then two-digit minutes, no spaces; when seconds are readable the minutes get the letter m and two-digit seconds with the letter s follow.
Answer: 5h10m38s
